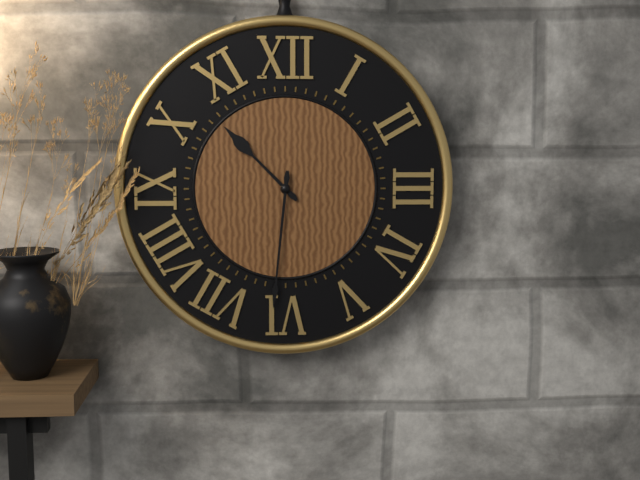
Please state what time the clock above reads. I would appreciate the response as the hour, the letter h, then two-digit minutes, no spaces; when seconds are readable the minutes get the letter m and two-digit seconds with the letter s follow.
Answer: 10h31
